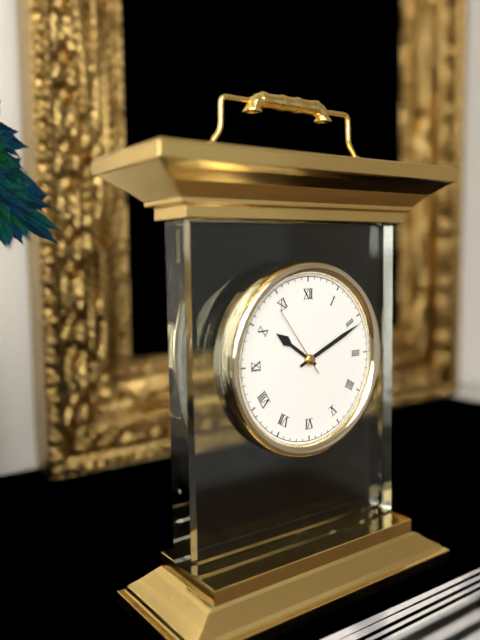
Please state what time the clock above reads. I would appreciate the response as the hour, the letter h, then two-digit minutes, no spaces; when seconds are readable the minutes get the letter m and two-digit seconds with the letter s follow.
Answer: 10h11m54s
